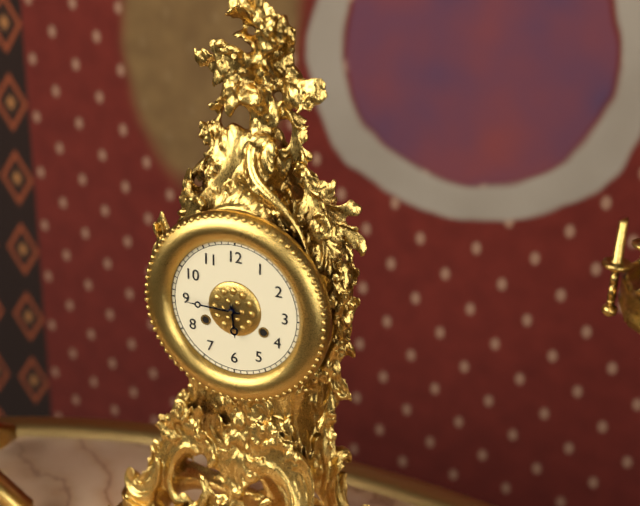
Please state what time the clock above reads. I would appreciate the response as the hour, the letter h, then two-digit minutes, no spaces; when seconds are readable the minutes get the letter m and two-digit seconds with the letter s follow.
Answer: 5h45
